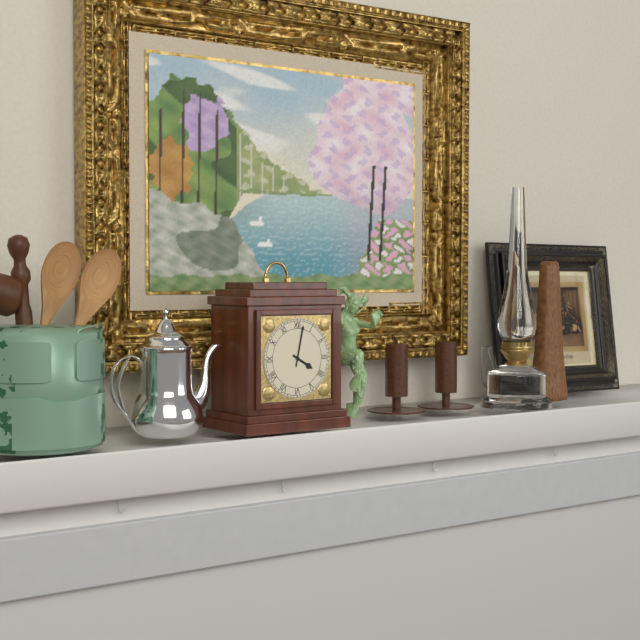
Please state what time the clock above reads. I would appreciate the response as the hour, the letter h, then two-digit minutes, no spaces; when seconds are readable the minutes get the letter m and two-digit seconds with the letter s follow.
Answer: 4h02
